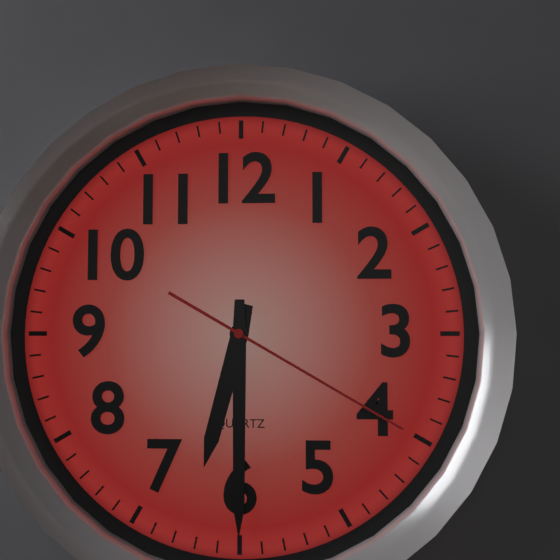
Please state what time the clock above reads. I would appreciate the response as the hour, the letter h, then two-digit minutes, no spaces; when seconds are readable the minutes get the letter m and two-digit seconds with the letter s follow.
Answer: 6h30m20s
